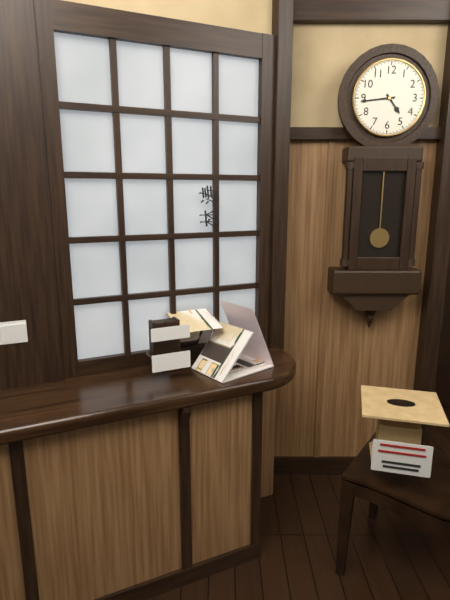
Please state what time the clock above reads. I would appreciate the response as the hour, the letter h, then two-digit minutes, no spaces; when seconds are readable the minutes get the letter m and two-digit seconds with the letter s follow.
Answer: 4h44
